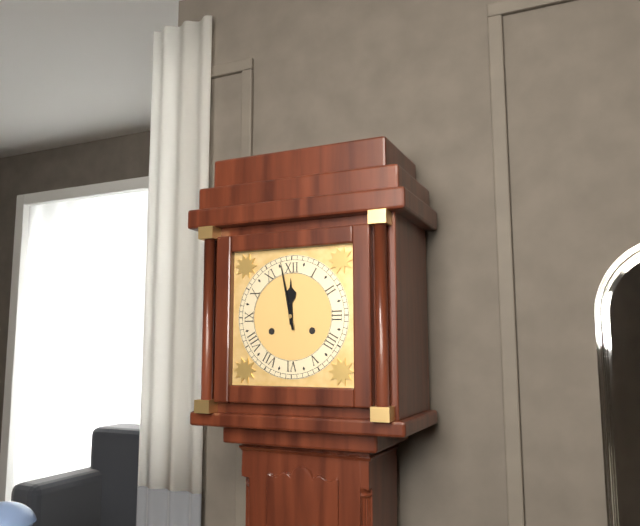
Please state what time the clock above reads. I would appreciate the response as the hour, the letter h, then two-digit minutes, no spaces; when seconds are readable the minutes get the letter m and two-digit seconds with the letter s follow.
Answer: 11h58
